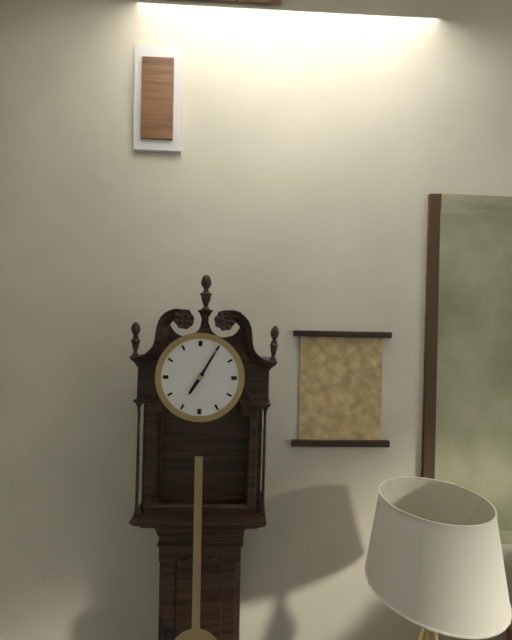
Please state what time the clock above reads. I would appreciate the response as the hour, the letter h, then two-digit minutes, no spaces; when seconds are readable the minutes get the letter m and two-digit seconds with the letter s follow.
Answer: 7h05
